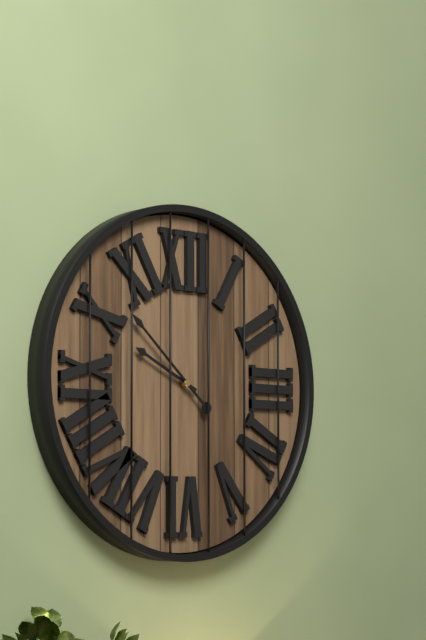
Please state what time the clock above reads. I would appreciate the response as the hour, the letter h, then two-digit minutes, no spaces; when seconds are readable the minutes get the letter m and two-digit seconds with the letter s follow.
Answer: 9h52
